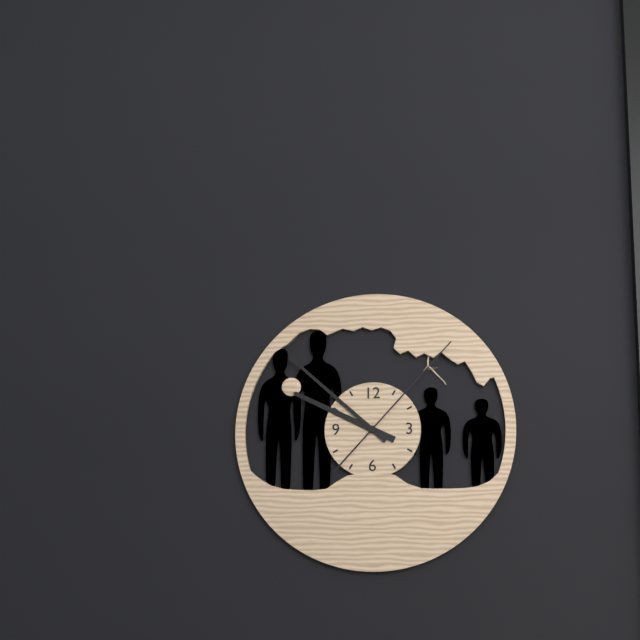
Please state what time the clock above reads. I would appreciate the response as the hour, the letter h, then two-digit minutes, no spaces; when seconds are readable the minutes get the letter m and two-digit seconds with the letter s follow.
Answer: 9h52m07s
